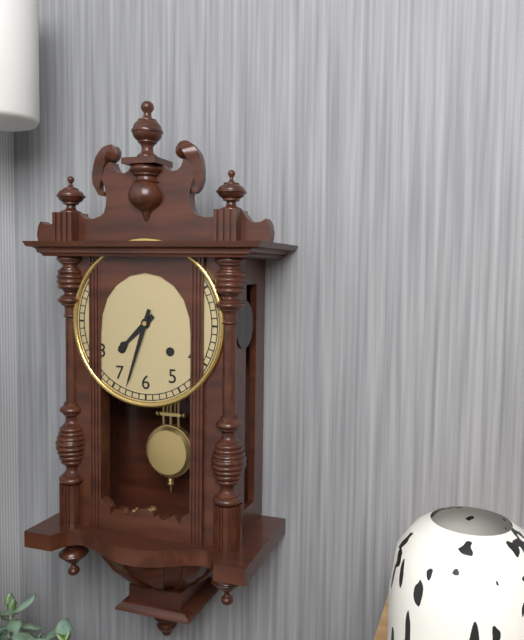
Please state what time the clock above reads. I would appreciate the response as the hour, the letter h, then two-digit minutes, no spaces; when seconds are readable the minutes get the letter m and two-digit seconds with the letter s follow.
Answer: 7h33
